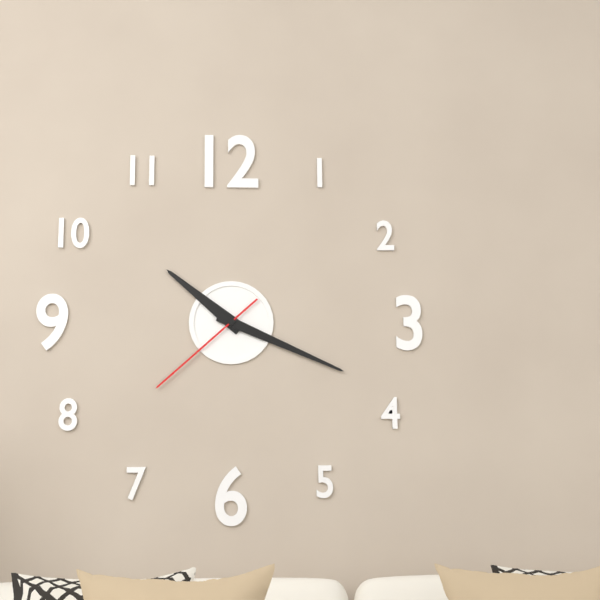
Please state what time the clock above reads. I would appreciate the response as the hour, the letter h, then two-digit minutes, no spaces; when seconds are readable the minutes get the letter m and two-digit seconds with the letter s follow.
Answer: 10h19m38s
